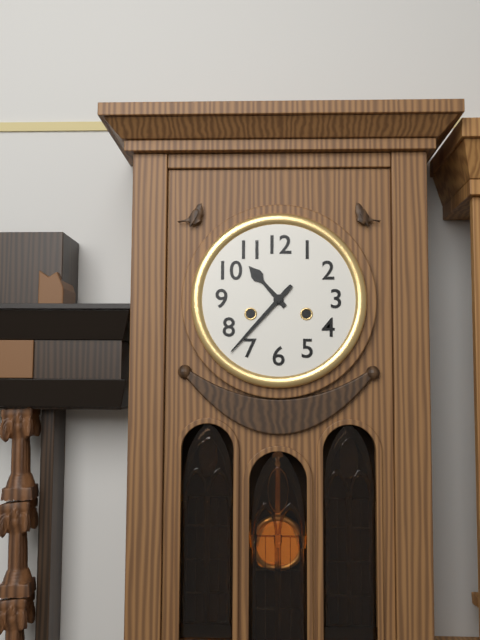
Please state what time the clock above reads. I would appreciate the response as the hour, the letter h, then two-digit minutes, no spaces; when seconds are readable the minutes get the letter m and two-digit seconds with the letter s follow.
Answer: 10h37
